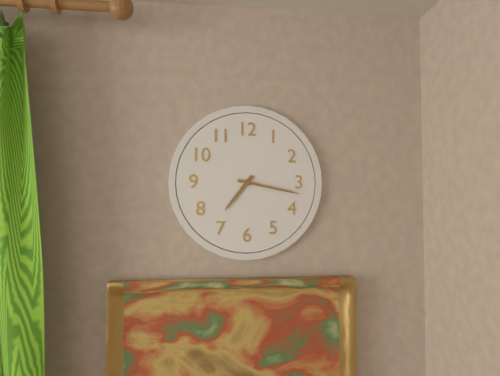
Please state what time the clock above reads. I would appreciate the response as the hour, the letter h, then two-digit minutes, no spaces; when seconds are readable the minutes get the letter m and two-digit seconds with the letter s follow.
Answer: 7h17
